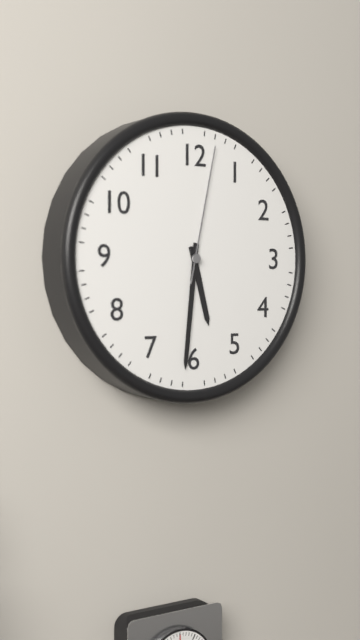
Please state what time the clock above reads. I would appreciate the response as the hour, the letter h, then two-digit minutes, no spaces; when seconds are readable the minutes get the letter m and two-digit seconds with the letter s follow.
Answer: 5h31m02s
